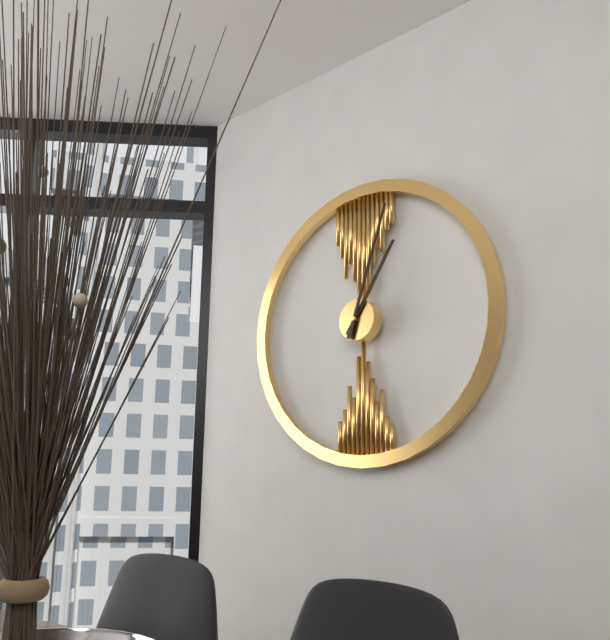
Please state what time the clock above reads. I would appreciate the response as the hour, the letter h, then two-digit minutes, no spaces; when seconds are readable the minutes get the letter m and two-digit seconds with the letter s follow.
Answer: 1h03
